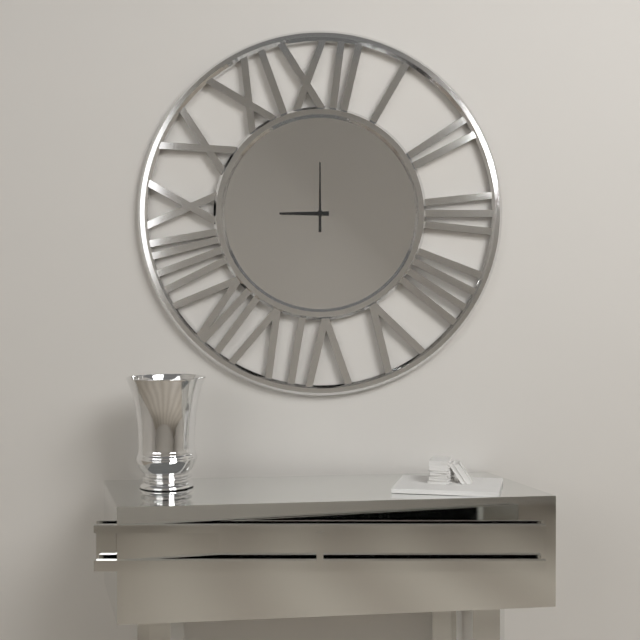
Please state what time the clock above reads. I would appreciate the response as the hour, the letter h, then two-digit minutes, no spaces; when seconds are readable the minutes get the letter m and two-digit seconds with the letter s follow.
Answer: 9h00
